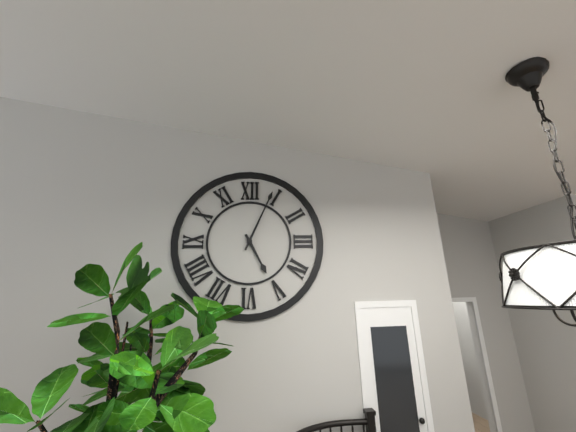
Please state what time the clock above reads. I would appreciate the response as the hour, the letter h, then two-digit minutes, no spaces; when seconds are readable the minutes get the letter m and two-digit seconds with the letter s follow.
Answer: 5h04
